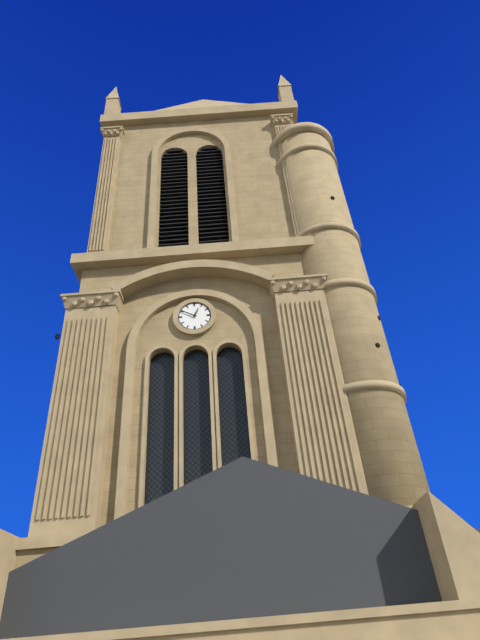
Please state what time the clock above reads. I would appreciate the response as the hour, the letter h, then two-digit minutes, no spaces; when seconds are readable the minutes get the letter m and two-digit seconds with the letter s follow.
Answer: 12h50
